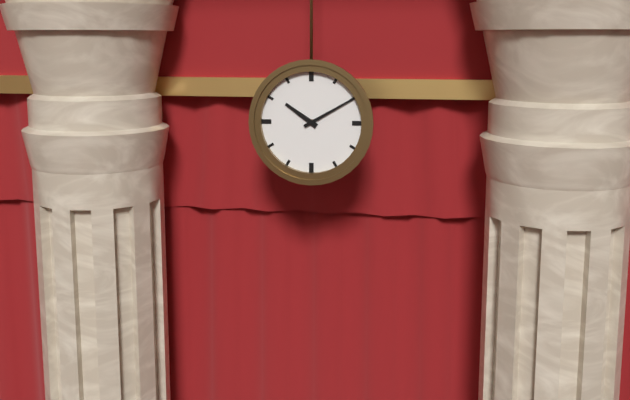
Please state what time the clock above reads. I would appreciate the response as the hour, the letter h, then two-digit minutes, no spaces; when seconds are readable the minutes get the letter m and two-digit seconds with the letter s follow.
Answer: 10h10
